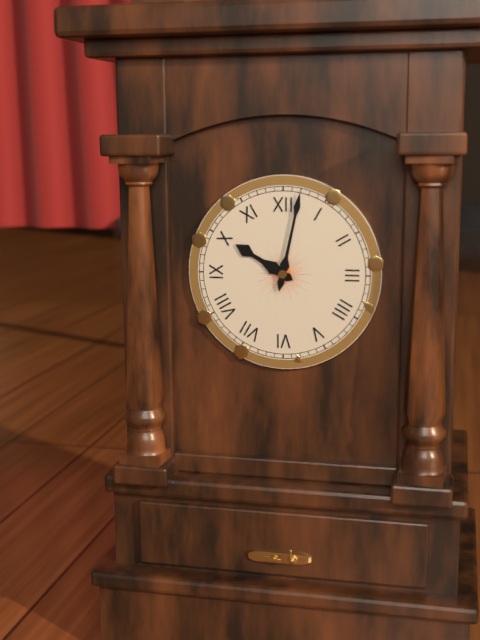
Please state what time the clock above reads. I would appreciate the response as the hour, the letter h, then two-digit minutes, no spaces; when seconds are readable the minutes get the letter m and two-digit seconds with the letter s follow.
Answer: 10h02
